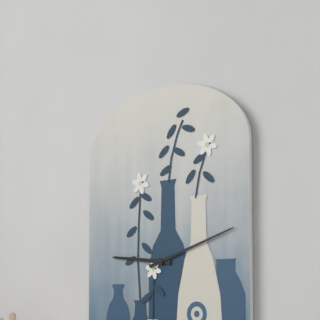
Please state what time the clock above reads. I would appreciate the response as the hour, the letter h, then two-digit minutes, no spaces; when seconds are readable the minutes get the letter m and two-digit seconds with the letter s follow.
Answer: 9h12
